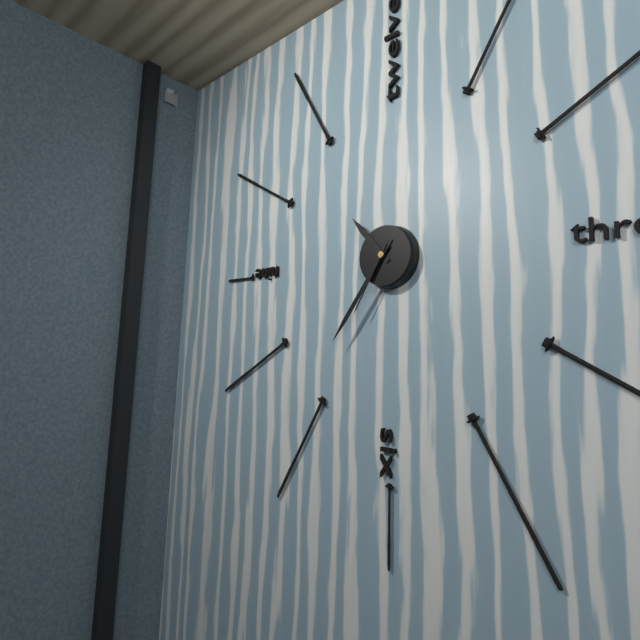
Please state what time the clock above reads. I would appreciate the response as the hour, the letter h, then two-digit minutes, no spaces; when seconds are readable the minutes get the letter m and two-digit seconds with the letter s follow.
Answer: 10h36m35s
